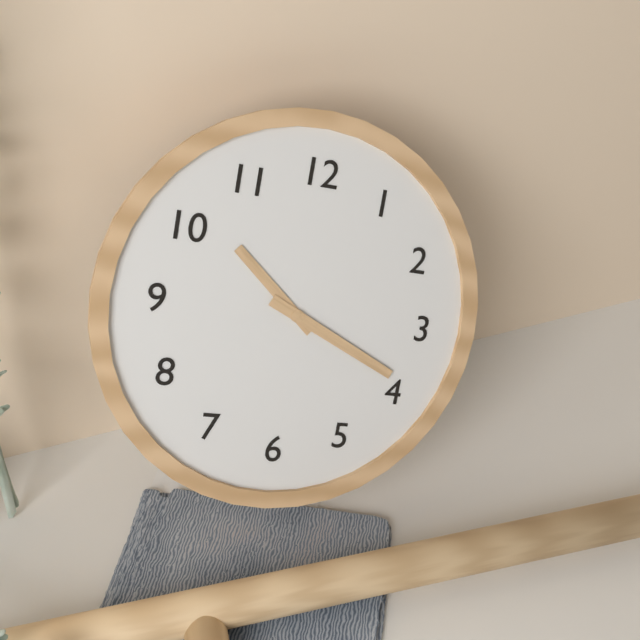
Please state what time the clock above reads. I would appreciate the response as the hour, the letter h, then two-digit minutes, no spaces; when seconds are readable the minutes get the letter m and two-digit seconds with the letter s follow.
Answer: 10h19
